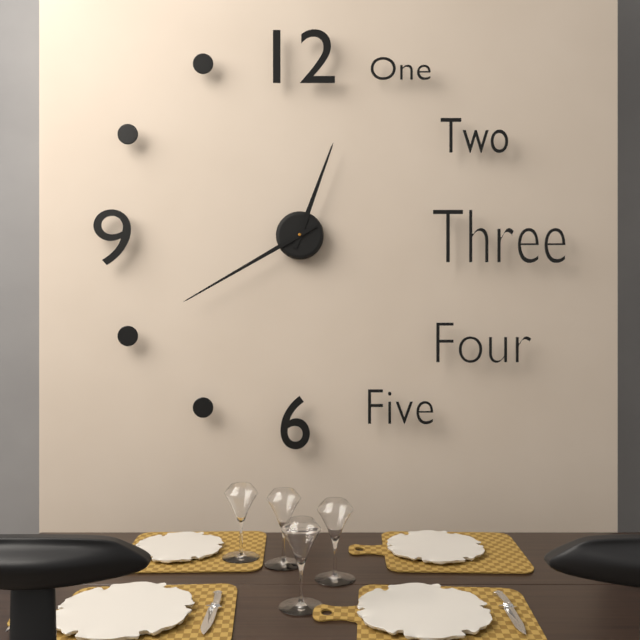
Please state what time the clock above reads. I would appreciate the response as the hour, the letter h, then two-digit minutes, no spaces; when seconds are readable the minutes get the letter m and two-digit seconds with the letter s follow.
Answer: 12h40
